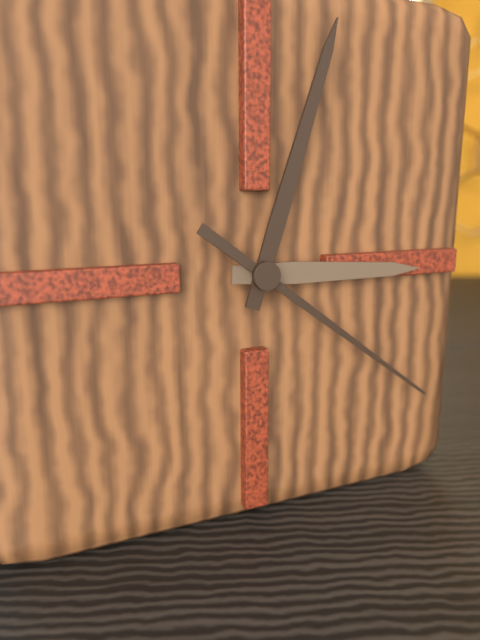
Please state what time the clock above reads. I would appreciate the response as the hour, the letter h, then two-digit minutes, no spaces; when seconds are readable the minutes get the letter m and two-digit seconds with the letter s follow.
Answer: 3h03m21s
